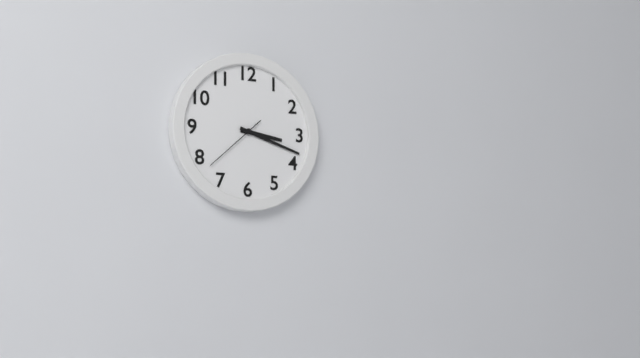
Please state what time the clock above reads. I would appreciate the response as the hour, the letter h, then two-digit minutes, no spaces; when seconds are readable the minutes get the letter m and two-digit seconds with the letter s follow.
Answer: 3h18m38s
